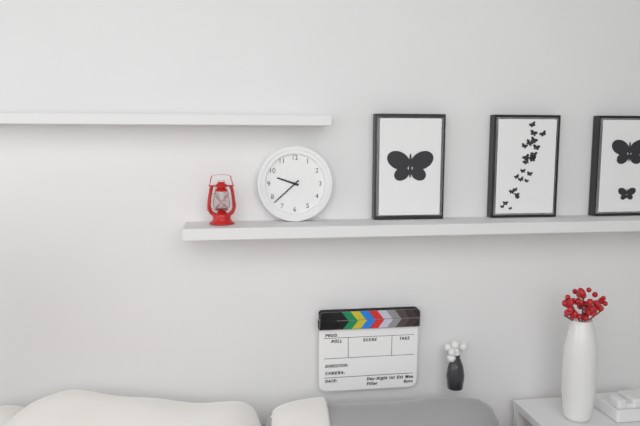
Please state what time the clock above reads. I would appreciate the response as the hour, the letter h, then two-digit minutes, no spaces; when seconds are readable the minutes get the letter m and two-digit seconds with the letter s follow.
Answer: 9h38
